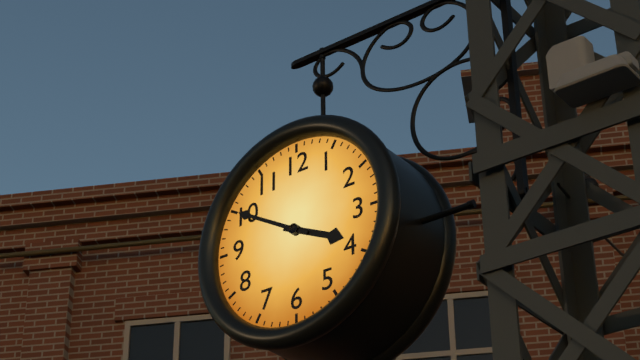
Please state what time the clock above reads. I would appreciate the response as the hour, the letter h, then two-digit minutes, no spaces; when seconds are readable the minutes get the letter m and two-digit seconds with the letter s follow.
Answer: 3h50
